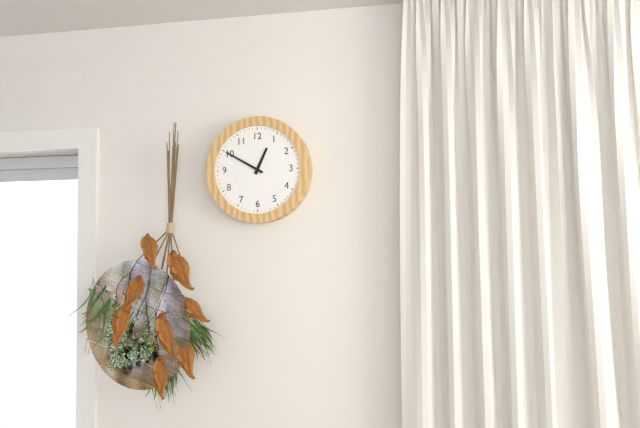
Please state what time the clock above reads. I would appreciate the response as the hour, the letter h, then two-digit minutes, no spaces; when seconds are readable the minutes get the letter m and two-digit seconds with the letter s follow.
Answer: 12h50
